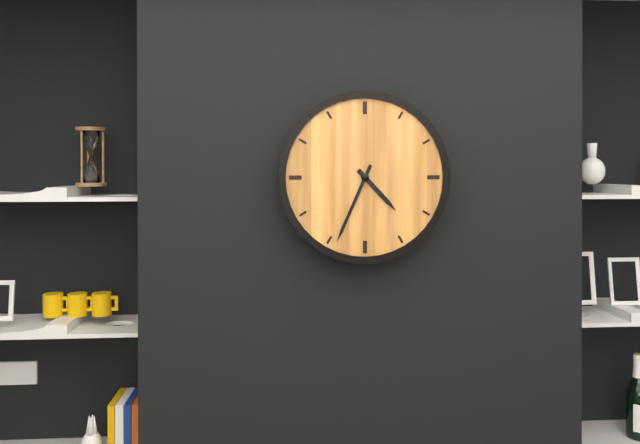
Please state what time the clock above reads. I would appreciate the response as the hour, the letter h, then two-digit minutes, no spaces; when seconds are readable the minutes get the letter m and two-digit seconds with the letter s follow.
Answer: 4h34
